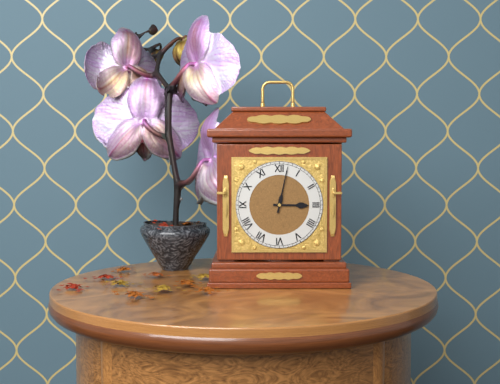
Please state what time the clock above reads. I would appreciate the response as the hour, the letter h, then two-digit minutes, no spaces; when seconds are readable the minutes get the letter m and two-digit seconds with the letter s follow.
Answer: 3h02
